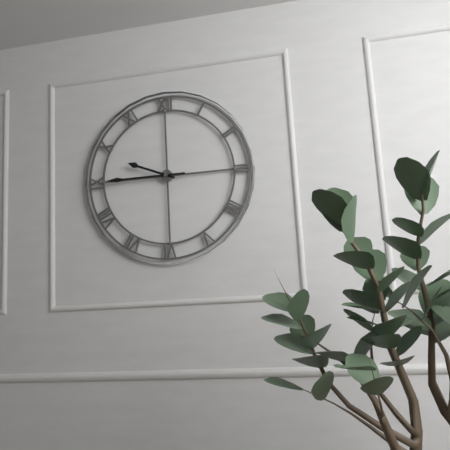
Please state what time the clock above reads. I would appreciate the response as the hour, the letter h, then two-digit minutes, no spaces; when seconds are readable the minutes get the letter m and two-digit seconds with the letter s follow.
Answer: 9h45
